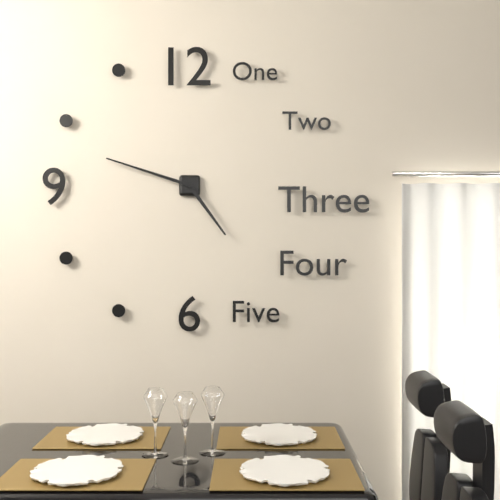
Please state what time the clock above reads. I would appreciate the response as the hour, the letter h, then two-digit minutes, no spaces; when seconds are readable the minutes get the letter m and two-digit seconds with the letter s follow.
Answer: 4h48
